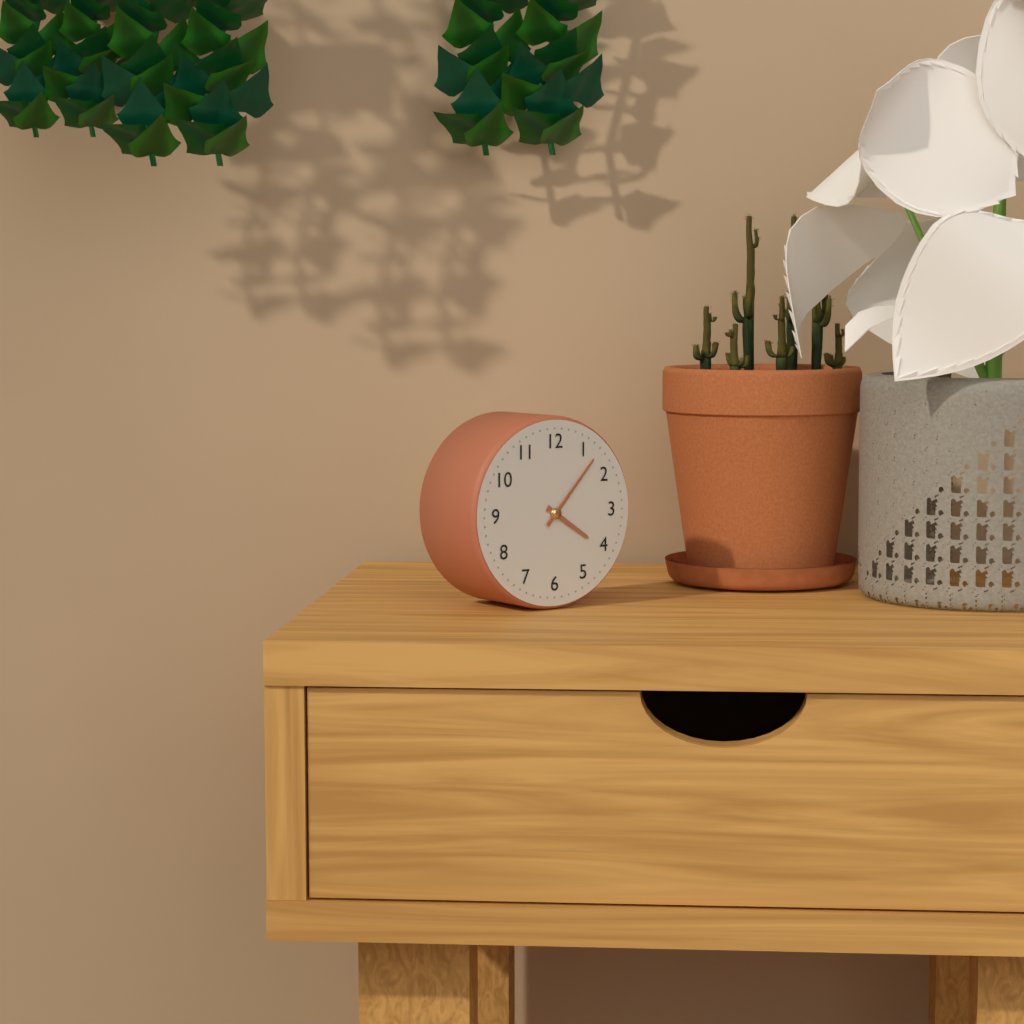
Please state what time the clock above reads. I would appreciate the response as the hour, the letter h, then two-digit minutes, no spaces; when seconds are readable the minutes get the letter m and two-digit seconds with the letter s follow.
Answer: 4h07
